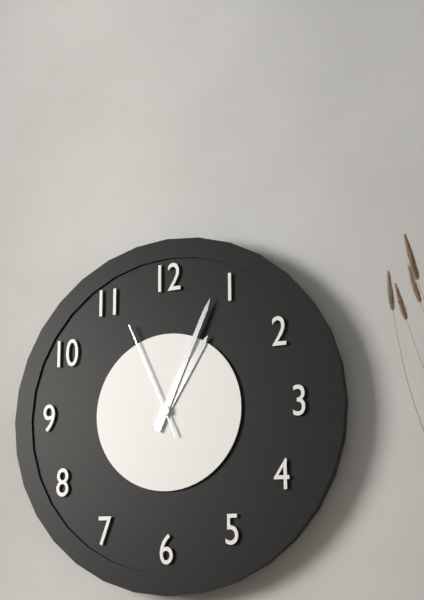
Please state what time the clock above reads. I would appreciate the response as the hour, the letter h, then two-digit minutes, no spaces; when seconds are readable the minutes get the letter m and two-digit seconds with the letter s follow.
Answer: 1h04m56s
